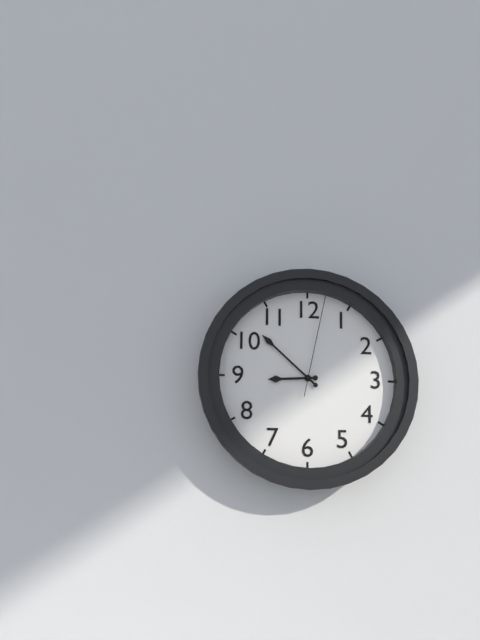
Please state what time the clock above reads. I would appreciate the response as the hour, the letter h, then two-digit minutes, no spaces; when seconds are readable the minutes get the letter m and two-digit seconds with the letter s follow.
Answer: 8h52m02s
